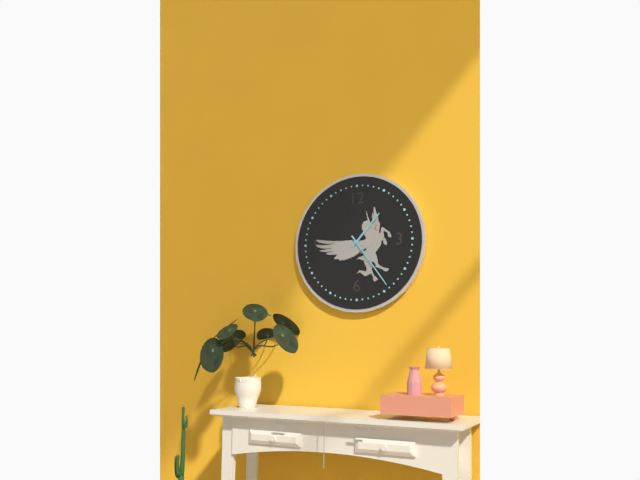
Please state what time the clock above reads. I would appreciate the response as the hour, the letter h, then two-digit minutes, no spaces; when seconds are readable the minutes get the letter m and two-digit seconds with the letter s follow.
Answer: 1h24
